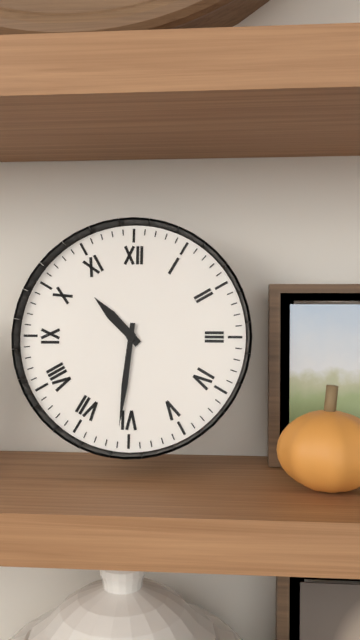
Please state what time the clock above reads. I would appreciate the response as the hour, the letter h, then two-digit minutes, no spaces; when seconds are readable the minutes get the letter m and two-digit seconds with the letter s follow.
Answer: 10h31
